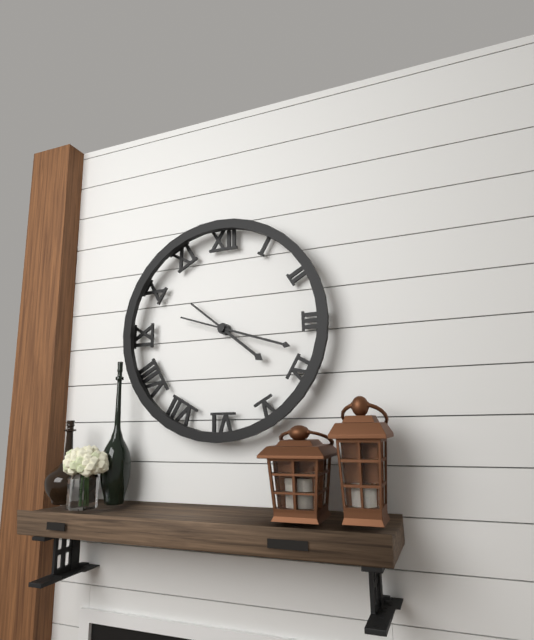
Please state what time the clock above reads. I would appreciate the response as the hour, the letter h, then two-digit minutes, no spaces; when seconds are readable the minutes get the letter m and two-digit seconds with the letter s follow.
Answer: 4h18
